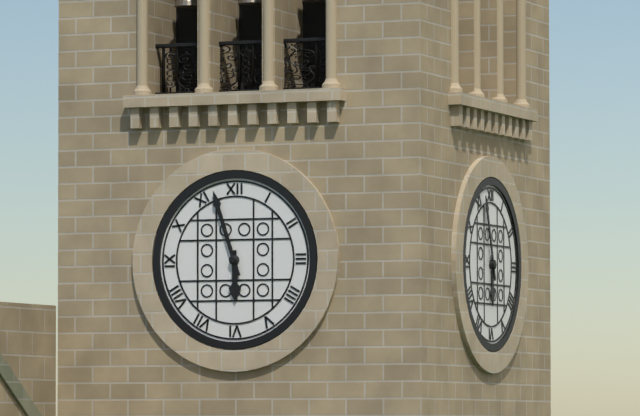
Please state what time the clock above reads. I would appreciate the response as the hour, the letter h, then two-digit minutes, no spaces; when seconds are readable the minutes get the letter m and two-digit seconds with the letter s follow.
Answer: 5h57
